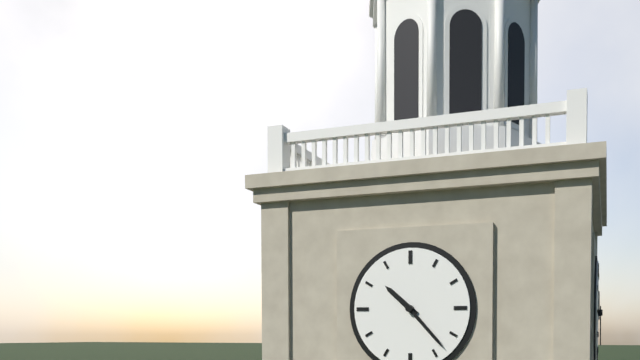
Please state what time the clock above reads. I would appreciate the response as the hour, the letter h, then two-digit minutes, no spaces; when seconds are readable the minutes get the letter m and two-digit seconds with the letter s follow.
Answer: 10h23
